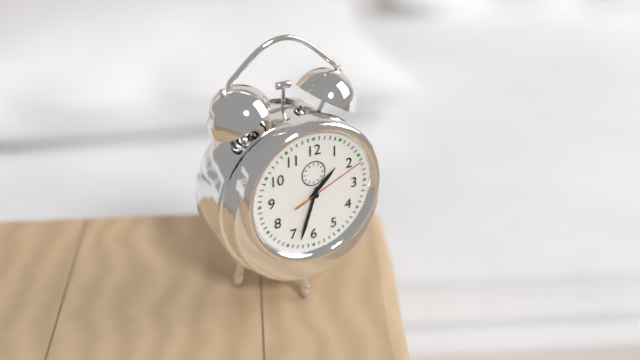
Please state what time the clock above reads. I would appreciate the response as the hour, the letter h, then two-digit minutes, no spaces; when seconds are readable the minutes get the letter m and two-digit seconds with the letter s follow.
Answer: 1h33m11s
